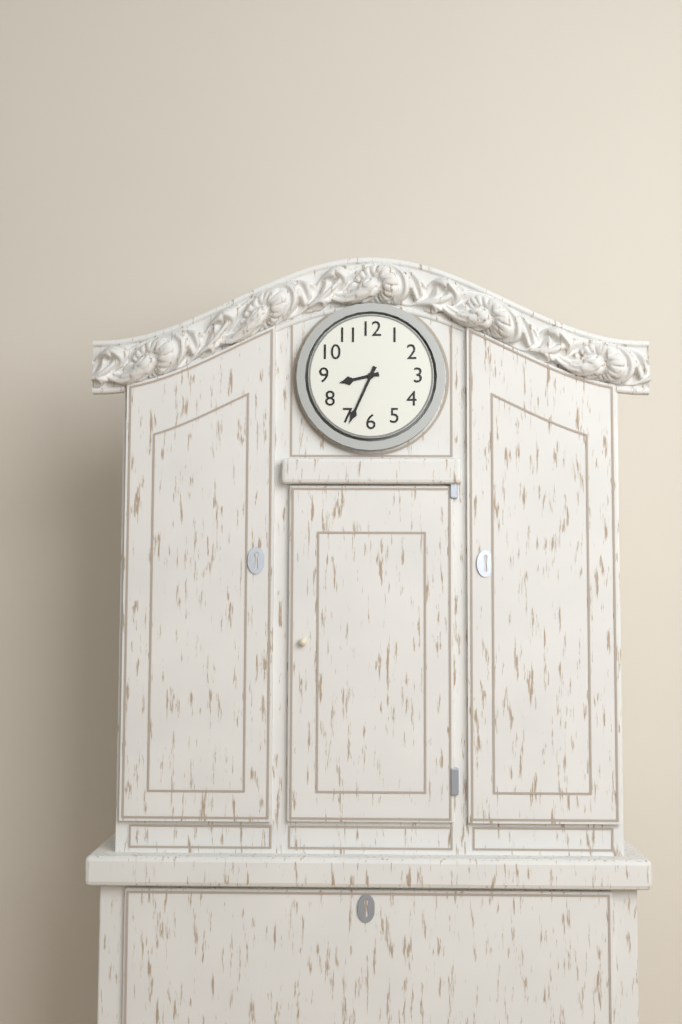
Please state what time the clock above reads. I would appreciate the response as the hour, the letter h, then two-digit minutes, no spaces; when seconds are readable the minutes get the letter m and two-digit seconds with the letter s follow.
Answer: 8h34
